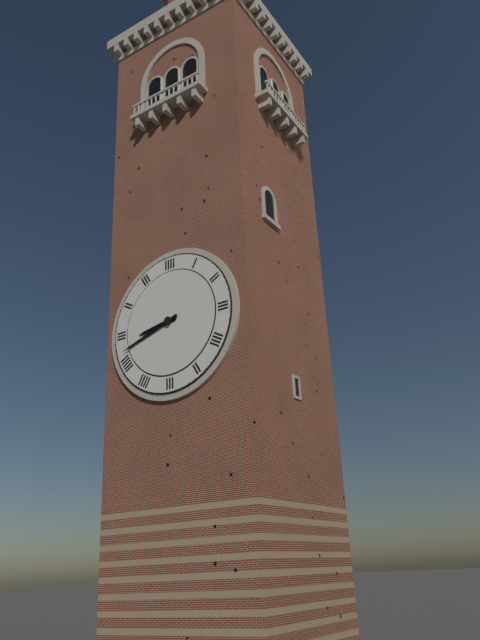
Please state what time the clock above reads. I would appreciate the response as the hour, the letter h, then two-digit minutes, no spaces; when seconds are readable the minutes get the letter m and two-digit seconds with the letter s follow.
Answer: 8h42
